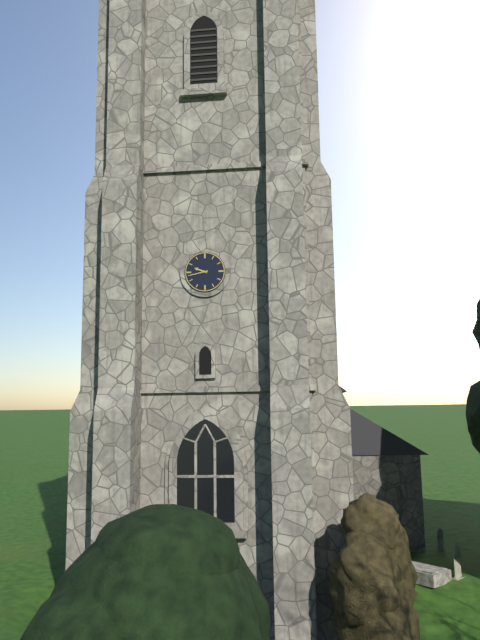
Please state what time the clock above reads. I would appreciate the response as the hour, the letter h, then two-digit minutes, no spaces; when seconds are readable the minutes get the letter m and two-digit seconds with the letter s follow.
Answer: 9h43
